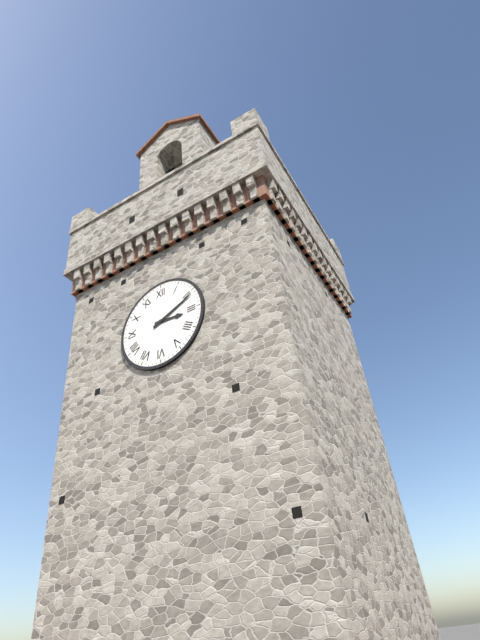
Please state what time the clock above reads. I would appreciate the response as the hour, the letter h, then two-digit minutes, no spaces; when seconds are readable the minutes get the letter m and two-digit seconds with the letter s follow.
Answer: 3h11
